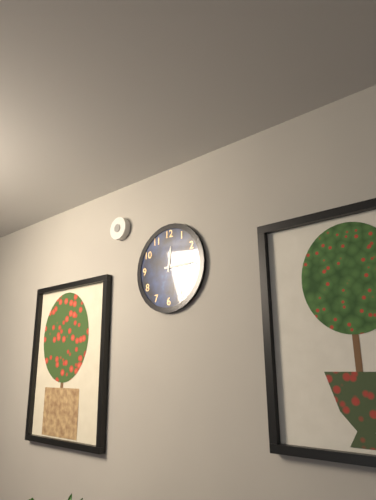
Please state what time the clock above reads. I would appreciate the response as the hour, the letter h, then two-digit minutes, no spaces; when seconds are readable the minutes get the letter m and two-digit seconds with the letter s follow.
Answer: 12h15
